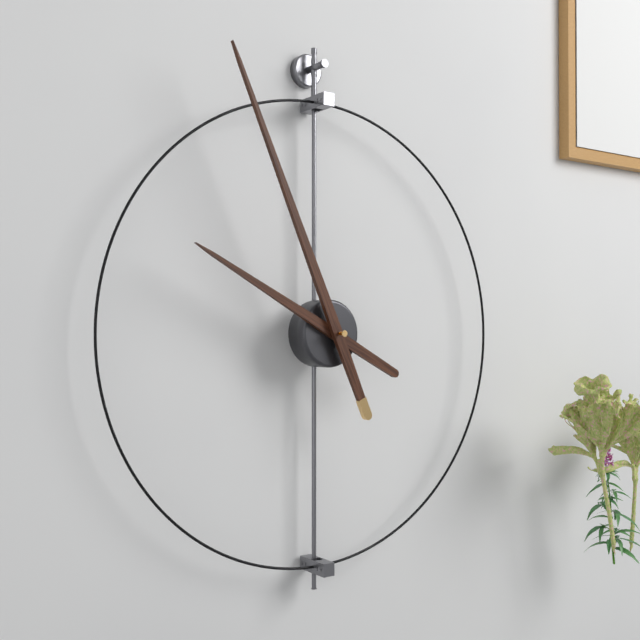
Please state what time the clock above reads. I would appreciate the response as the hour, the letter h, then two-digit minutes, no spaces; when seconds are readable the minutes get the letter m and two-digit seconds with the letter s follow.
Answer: 9h56
